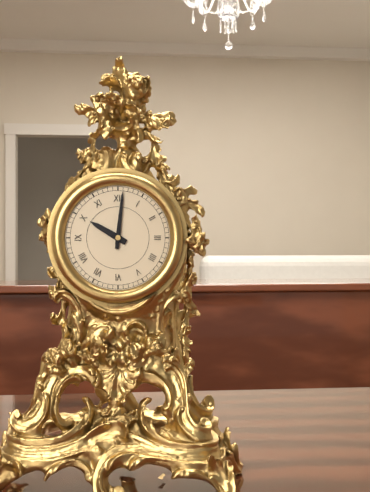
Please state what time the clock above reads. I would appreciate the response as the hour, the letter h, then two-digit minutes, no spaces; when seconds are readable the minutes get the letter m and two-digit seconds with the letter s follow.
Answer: 10h01
